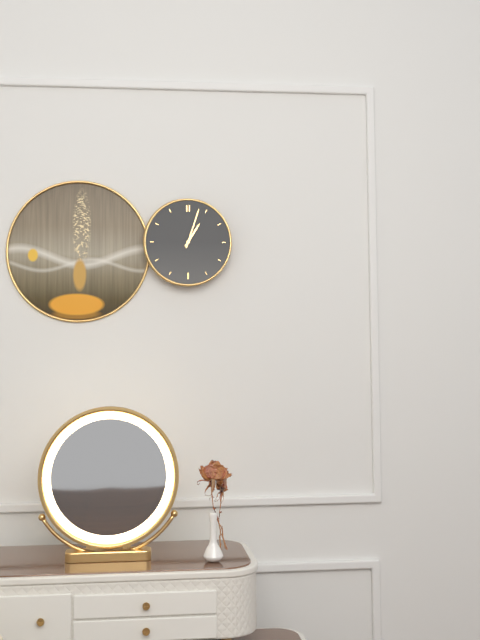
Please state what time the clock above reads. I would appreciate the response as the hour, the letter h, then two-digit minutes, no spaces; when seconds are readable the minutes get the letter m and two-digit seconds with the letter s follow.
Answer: 1h03
